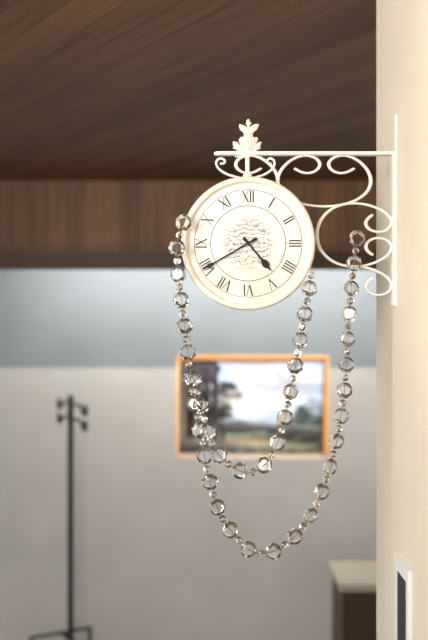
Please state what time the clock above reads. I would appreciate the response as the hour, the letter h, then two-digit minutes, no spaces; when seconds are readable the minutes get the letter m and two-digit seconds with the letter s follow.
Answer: 4h40
